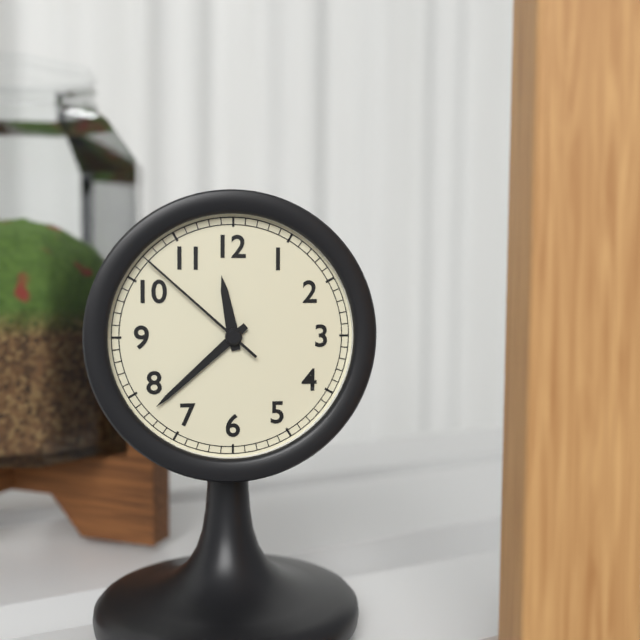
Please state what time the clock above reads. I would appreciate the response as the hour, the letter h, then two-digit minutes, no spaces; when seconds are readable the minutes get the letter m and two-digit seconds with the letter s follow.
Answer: 11h38m52s
